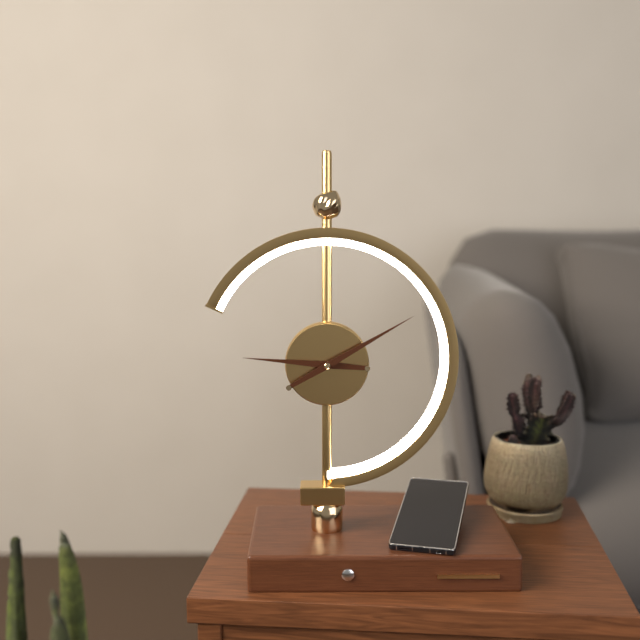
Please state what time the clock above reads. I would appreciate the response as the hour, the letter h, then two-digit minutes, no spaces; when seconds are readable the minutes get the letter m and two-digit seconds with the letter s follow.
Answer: 9h10
